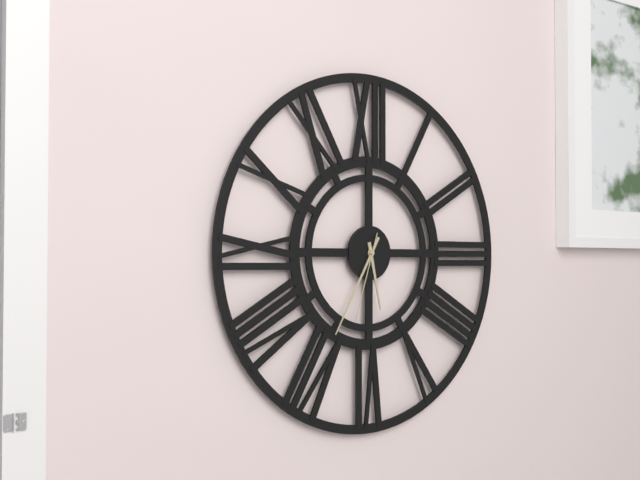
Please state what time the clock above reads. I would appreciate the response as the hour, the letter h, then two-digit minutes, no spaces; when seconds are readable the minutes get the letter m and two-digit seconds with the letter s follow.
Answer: 5h35m33s
